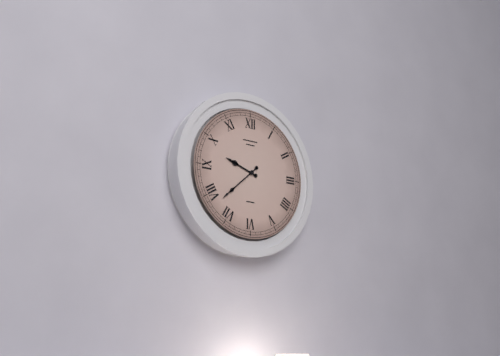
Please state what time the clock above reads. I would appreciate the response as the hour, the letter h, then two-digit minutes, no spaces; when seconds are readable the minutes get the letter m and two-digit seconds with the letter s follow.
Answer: 9h38
